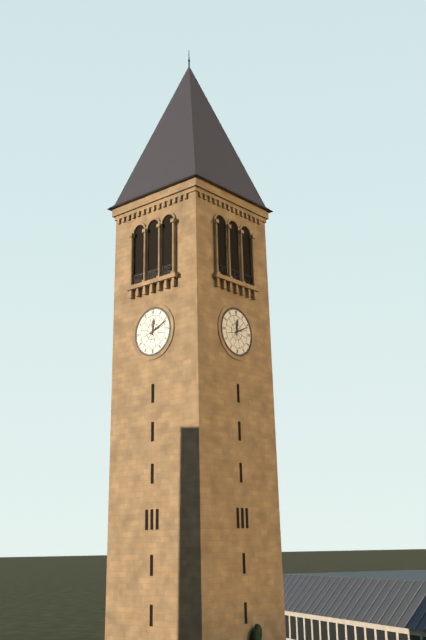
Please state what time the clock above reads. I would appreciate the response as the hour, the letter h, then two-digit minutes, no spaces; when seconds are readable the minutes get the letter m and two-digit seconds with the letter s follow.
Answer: 12h11
